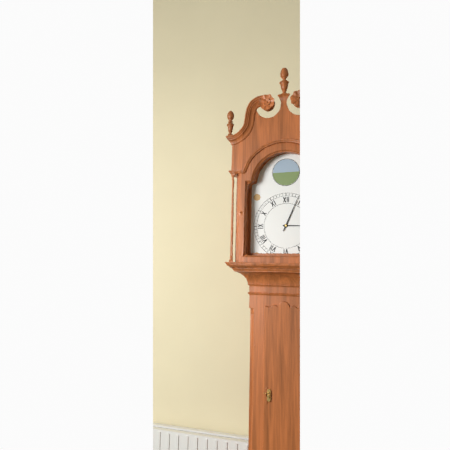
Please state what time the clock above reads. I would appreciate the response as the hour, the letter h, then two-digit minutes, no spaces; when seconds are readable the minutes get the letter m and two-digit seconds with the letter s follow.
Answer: 3h04
